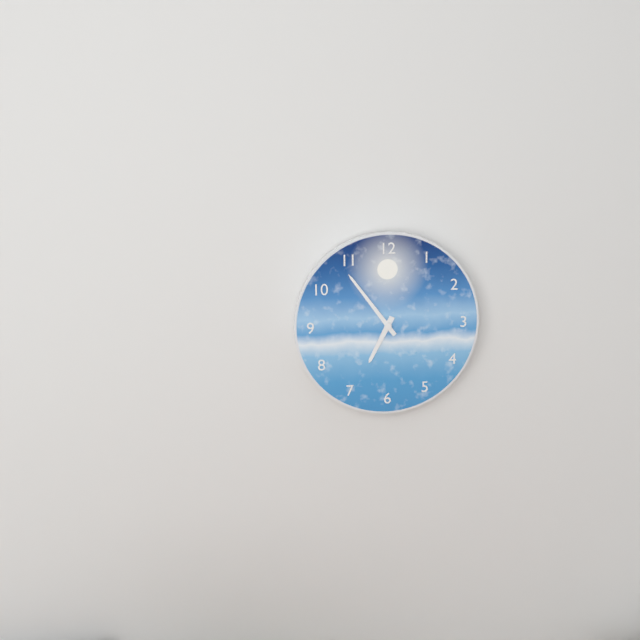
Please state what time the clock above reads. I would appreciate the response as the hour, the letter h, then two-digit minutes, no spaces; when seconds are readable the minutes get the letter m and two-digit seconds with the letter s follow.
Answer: 6h54
